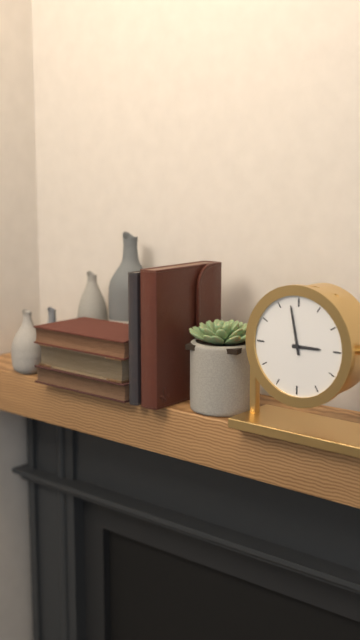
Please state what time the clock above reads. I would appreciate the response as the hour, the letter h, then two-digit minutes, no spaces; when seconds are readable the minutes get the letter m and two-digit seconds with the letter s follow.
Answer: 2h58
